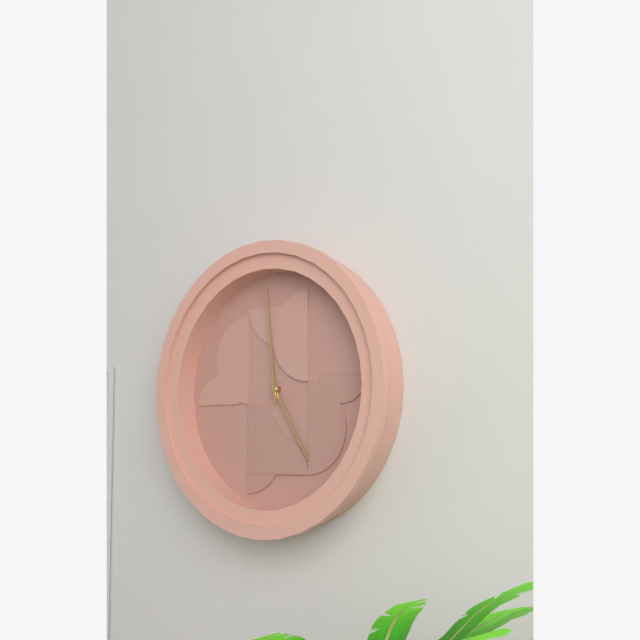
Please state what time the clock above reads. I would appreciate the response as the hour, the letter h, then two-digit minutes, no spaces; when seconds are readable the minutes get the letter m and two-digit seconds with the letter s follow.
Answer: 4h59
